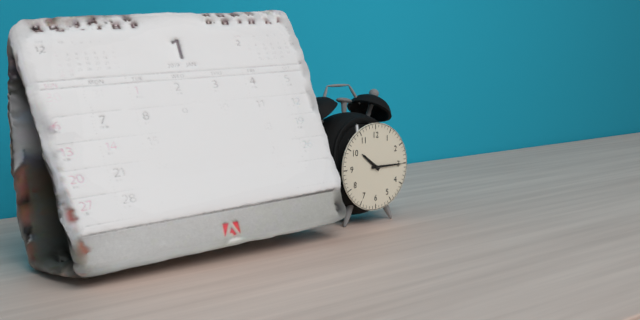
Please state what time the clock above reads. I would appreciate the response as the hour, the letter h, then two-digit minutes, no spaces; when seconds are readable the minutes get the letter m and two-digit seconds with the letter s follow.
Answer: 10h15
